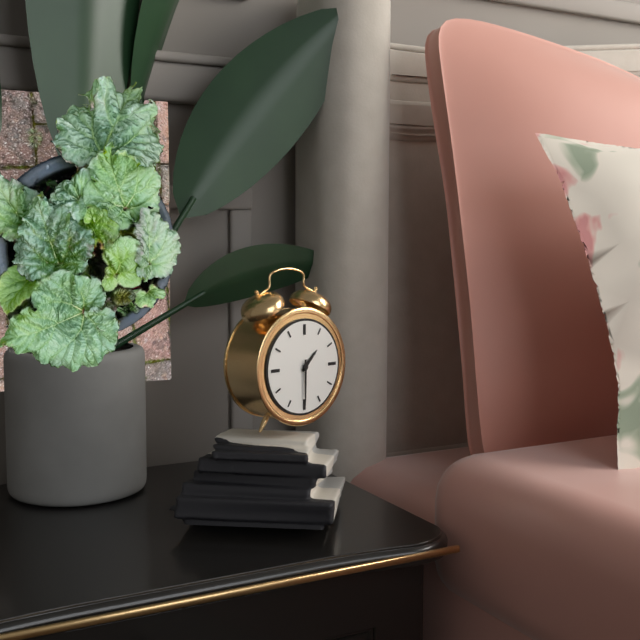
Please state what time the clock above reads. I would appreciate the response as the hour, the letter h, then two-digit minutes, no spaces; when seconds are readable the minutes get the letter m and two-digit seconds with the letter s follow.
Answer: 1h30
